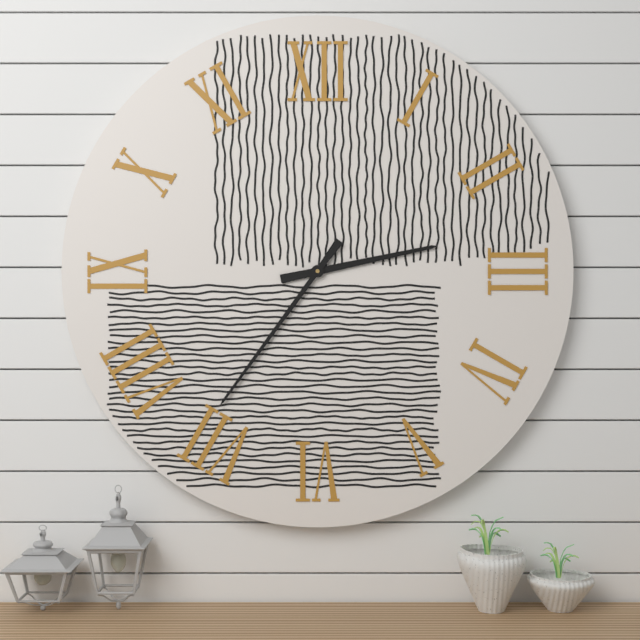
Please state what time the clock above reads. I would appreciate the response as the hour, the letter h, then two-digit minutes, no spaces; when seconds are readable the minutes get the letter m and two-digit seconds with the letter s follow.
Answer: 2h36
